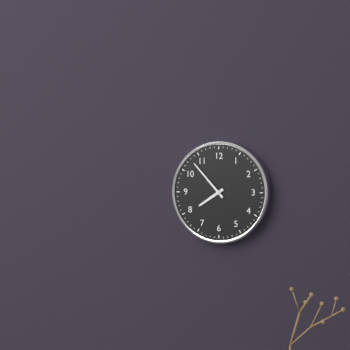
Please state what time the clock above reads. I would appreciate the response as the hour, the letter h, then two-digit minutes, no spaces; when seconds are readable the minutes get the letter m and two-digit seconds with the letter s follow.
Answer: 7h53
